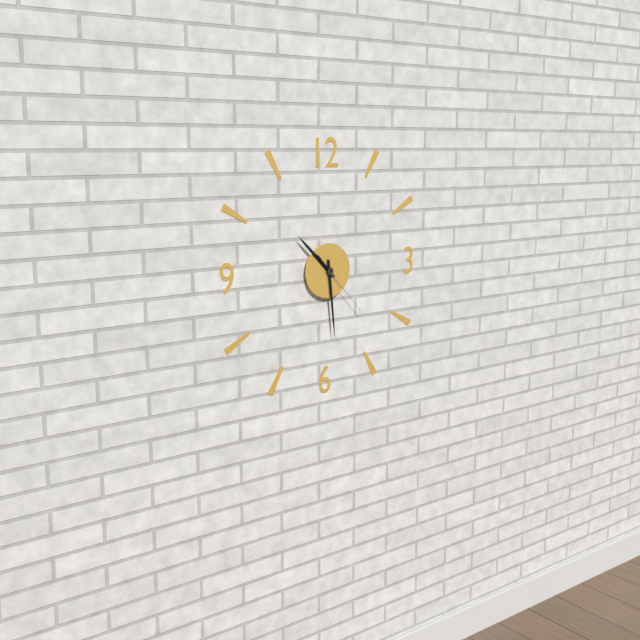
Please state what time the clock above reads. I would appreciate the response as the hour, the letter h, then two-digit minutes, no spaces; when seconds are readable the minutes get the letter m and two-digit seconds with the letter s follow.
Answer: 10h29m23s
